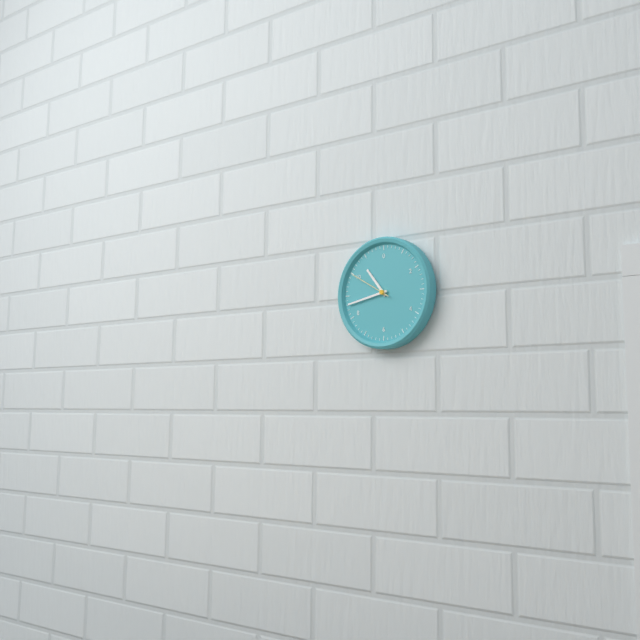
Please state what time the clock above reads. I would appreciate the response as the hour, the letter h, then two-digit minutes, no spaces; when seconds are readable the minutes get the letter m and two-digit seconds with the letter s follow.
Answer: 10h43m50s
